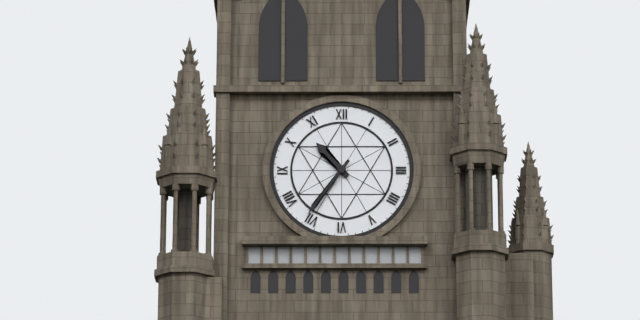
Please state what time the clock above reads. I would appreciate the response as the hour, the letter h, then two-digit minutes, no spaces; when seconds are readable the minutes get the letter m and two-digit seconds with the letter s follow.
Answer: 10h36
